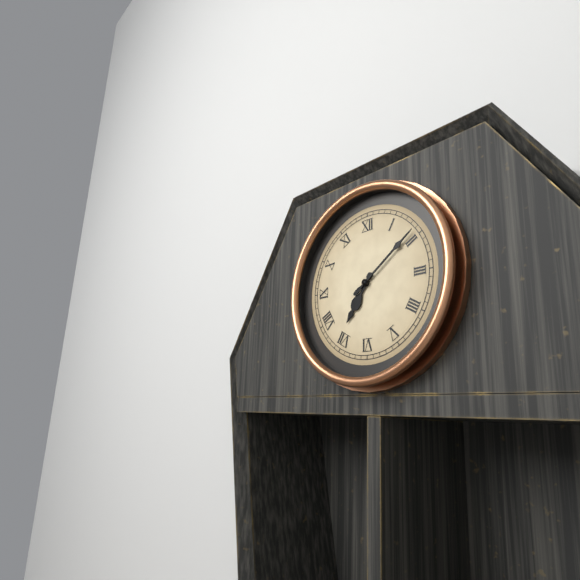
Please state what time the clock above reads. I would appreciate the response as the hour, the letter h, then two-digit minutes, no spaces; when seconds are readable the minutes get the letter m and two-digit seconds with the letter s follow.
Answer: 7h09
